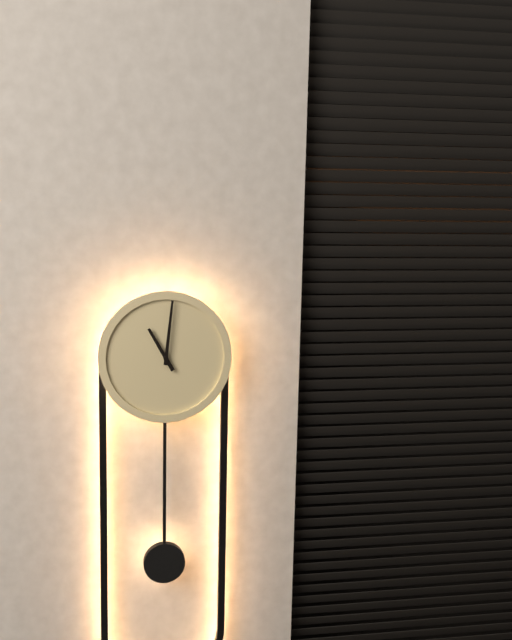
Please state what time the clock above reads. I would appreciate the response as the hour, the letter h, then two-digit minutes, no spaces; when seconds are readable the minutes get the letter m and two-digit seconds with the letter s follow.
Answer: 11h01
